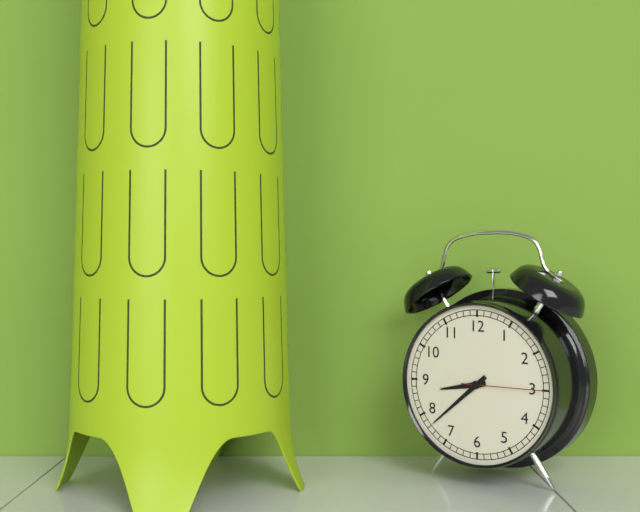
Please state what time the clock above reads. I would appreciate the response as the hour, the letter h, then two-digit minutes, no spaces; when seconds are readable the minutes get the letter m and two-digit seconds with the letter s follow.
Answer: 8h38m15s
